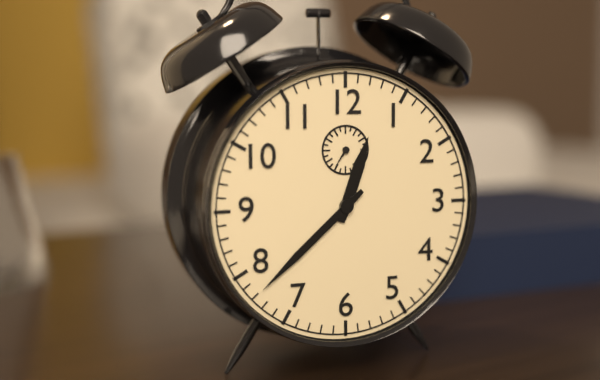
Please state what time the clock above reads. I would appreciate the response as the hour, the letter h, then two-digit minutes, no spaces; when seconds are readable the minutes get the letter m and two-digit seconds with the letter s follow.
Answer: 12h38
